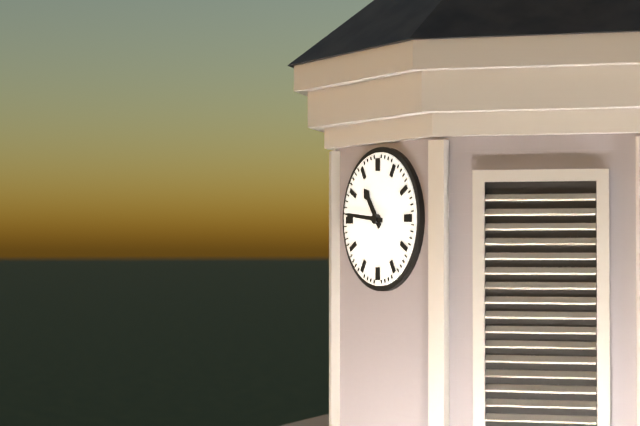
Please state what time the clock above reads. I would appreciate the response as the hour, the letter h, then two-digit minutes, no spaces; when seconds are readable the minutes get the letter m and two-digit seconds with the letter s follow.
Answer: 10h46
